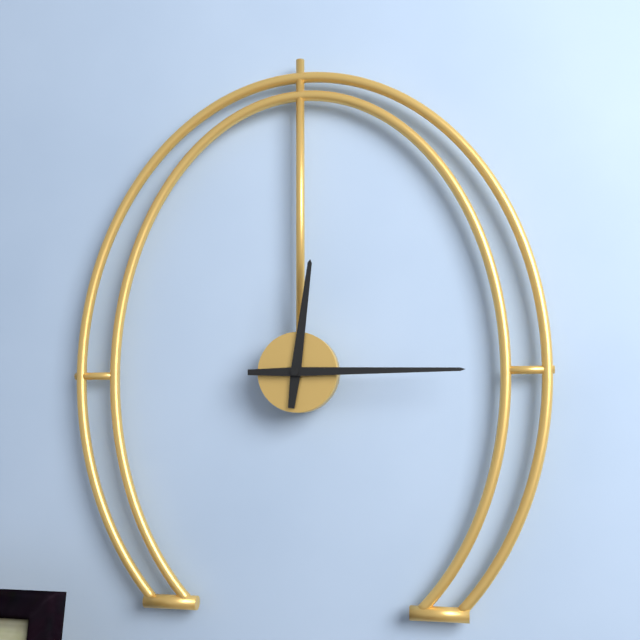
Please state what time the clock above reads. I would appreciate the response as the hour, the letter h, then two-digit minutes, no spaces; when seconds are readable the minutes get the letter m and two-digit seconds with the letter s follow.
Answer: 12h15
